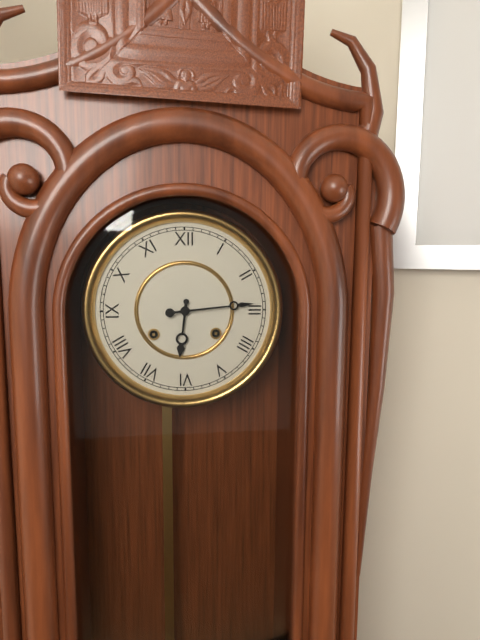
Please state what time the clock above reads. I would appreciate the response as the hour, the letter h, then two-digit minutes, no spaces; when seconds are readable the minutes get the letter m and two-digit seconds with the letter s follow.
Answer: 6h14
